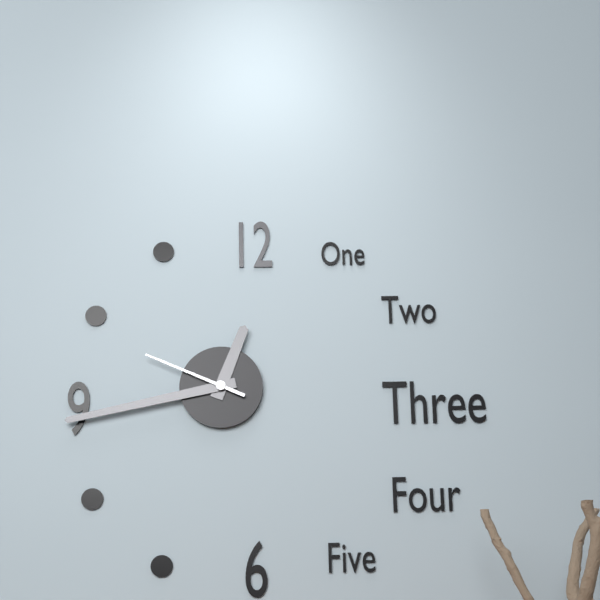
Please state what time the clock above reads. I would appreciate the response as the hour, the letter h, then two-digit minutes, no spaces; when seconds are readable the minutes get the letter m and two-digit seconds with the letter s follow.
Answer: 12h43m49s
